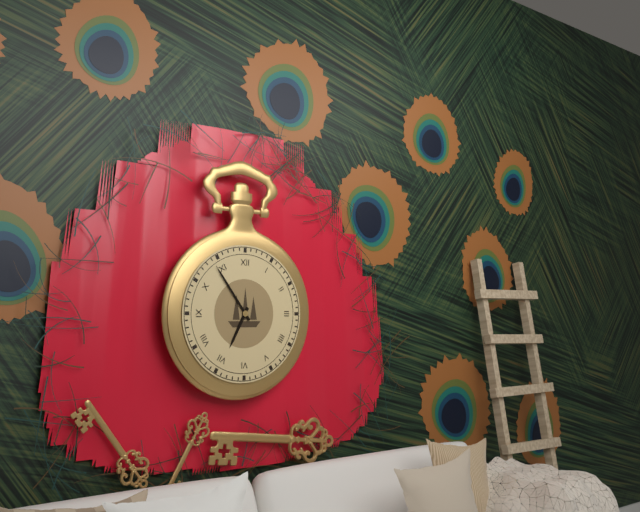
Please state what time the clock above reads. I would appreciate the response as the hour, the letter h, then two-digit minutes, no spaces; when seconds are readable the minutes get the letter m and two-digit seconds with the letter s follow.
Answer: 6h54
